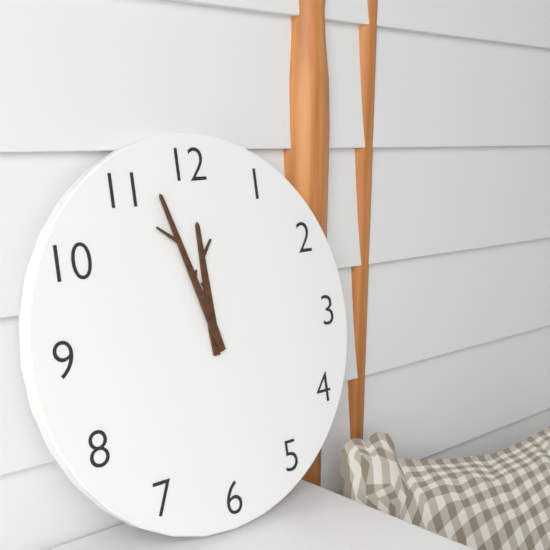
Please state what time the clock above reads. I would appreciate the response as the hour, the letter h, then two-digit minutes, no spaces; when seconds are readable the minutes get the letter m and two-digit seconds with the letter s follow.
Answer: 11h57
